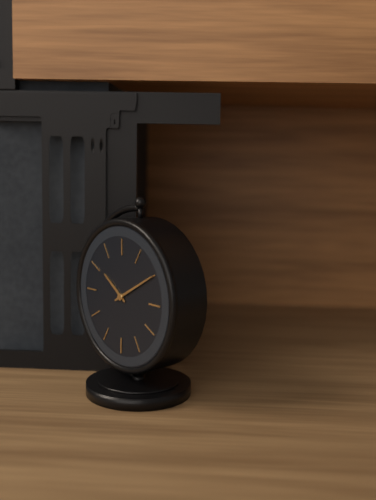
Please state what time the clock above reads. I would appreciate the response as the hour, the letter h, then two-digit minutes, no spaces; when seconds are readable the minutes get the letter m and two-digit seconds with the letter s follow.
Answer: 10h10
